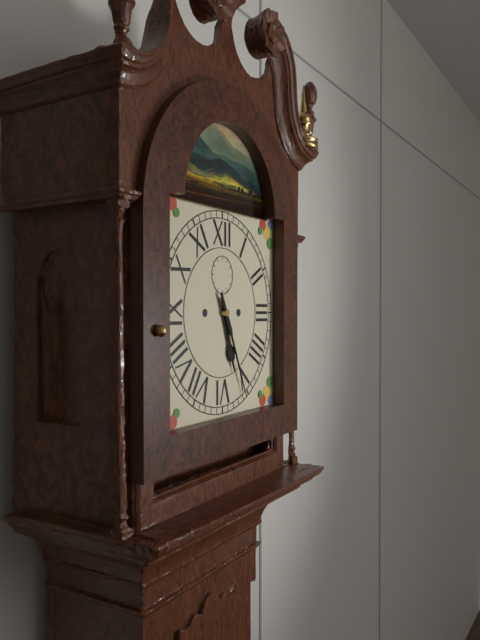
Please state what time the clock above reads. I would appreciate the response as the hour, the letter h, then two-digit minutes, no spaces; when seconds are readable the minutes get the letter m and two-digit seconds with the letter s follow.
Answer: 5h26
